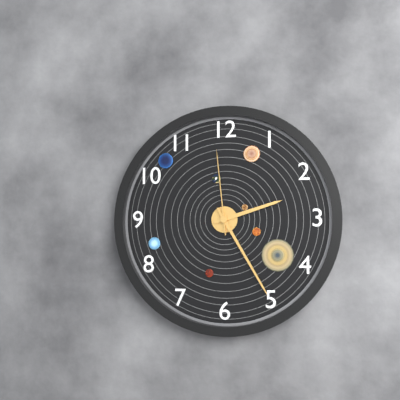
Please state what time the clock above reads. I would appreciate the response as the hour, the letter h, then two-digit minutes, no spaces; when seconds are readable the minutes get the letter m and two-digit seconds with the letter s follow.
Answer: 2h25m59s
